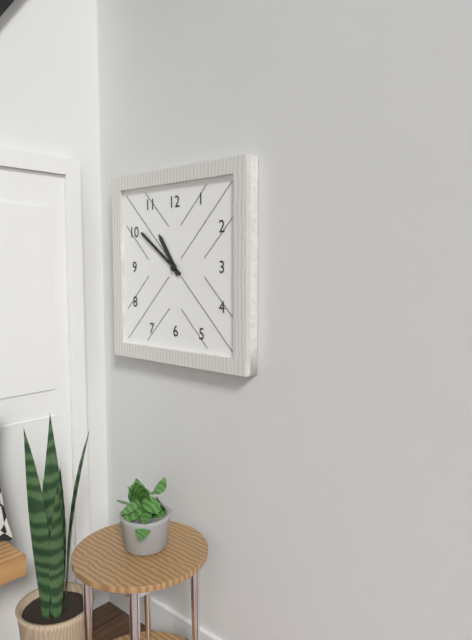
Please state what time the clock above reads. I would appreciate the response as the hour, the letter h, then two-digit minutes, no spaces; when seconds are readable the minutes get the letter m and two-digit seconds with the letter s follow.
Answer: 10h51
